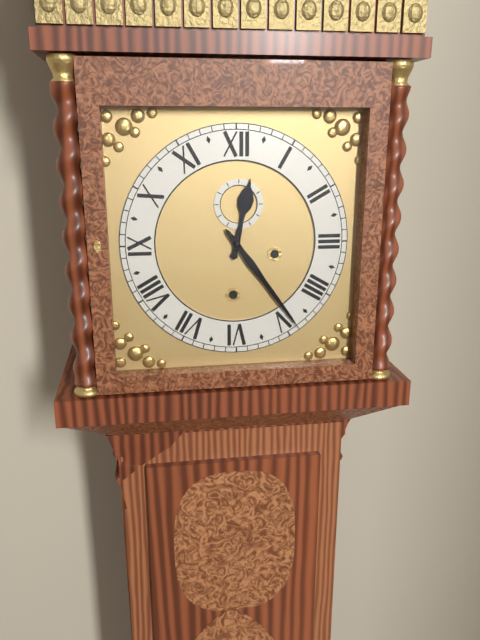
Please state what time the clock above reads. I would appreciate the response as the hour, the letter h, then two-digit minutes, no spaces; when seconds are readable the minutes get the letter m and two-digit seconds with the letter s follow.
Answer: 12h24
